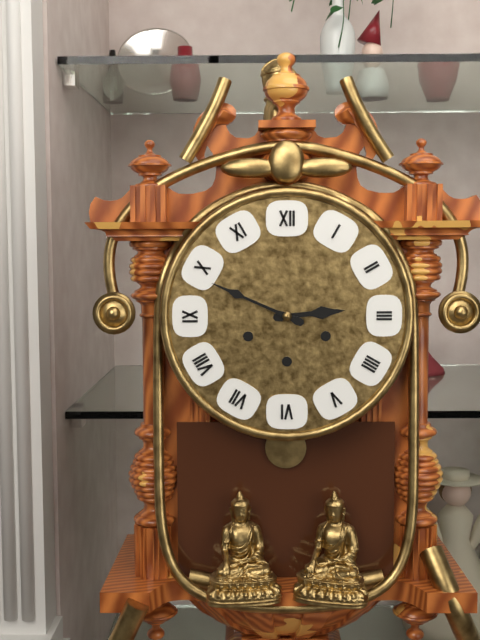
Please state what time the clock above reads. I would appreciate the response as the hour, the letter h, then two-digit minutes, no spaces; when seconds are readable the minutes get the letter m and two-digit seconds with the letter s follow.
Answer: 2h49
